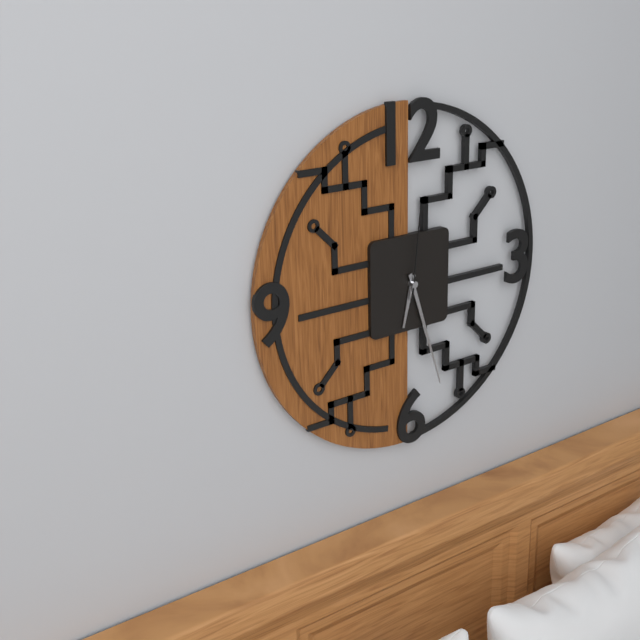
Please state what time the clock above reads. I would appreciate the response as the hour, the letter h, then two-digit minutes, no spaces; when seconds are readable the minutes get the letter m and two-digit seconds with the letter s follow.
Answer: 6h27m01s
